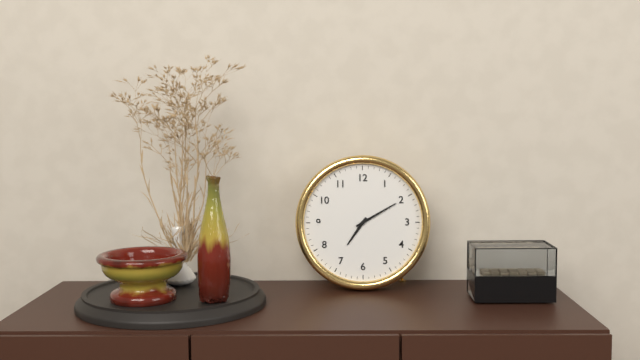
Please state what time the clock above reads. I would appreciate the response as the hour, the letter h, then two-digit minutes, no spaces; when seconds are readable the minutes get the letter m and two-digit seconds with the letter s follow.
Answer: 7h10
